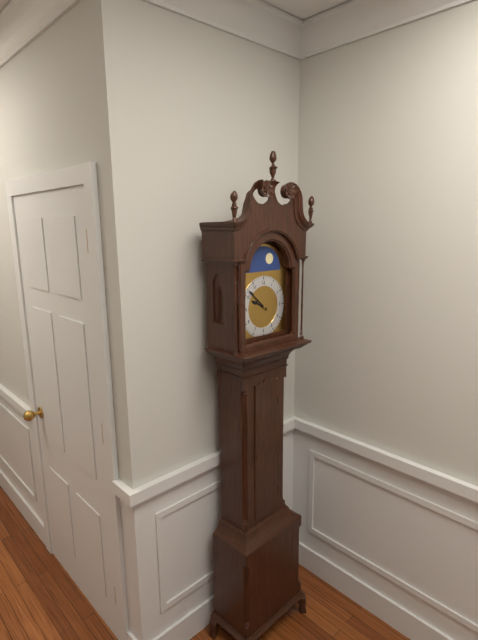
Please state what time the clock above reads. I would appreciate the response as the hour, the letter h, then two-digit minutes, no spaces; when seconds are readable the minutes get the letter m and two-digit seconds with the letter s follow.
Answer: 9h52
